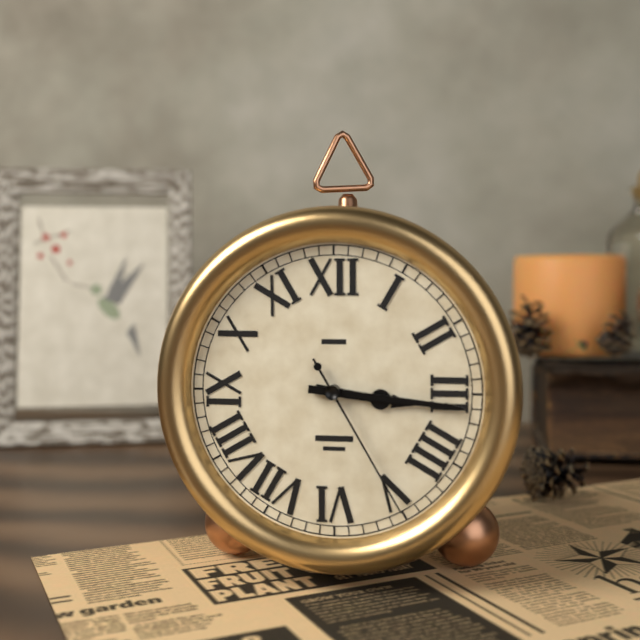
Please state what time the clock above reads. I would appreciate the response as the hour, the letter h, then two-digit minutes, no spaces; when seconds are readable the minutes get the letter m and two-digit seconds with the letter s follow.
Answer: 3h16m25s
